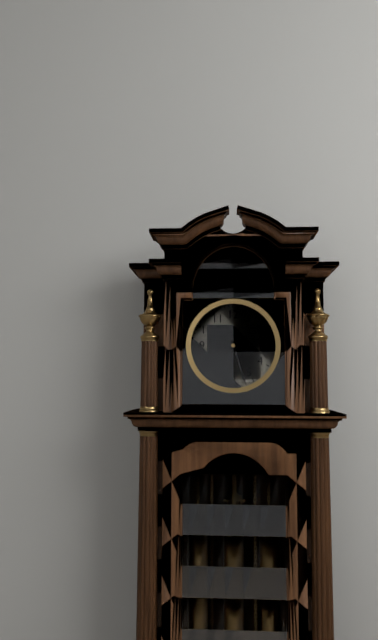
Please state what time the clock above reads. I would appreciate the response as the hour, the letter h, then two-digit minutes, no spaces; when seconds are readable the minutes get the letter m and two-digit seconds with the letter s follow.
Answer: 9h27
